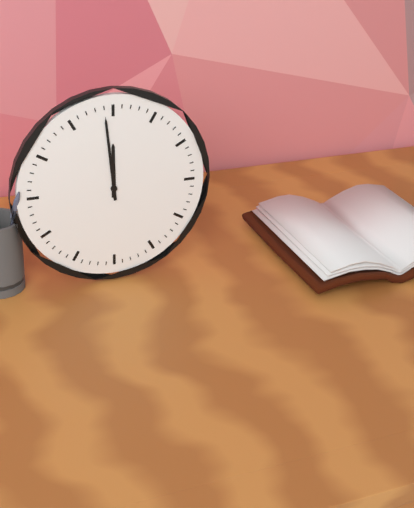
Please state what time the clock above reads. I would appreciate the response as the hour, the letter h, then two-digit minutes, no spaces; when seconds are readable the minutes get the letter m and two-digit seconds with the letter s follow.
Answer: 11h59
